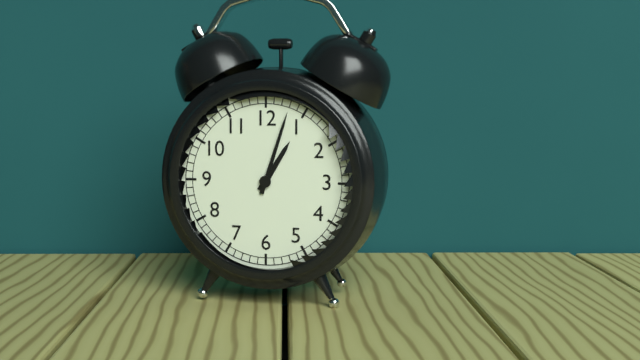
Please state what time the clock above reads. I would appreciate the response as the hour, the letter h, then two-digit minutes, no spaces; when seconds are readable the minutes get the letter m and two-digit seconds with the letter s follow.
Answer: 1h03
